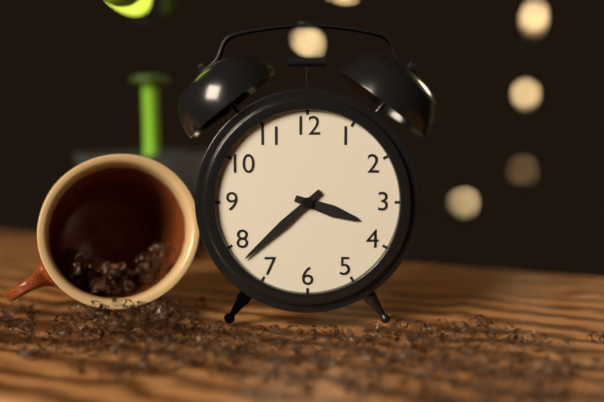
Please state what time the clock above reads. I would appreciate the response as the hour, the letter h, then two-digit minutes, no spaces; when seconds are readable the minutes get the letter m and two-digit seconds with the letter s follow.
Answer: 3h38
